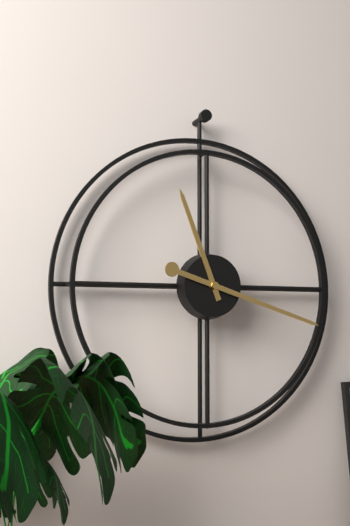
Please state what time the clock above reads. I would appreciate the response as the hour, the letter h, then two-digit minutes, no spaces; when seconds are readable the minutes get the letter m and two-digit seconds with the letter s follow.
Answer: 11h18
